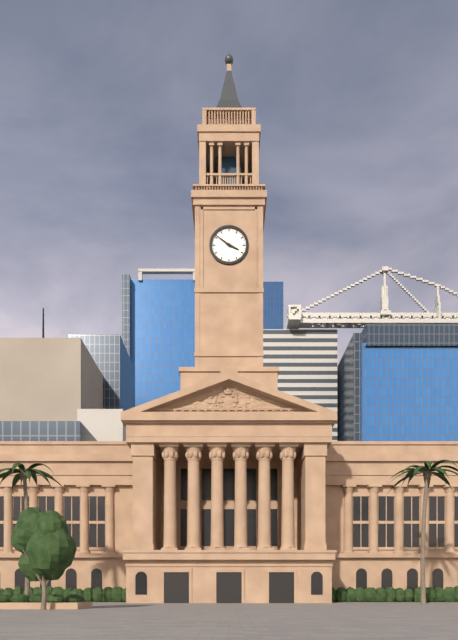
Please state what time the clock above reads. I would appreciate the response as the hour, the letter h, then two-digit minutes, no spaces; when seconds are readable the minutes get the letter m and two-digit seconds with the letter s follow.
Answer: 3h51
